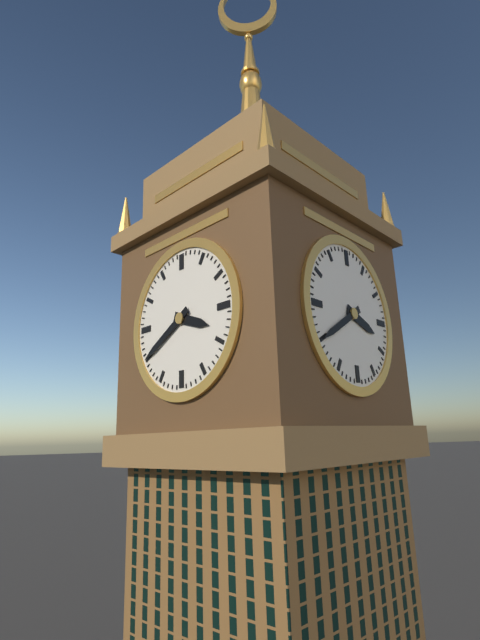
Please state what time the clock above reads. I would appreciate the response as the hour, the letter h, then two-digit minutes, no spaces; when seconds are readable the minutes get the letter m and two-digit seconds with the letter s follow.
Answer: 3h40
